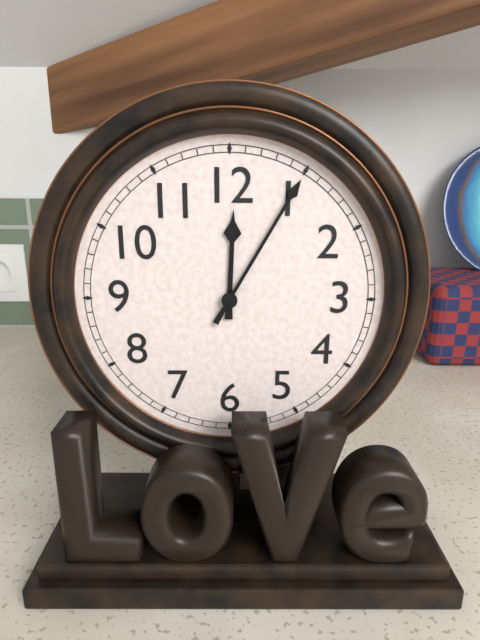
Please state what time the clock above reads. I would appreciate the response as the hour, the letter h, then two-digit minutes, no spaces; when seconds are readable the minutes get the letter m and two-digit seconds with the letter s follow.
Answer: 12h05
